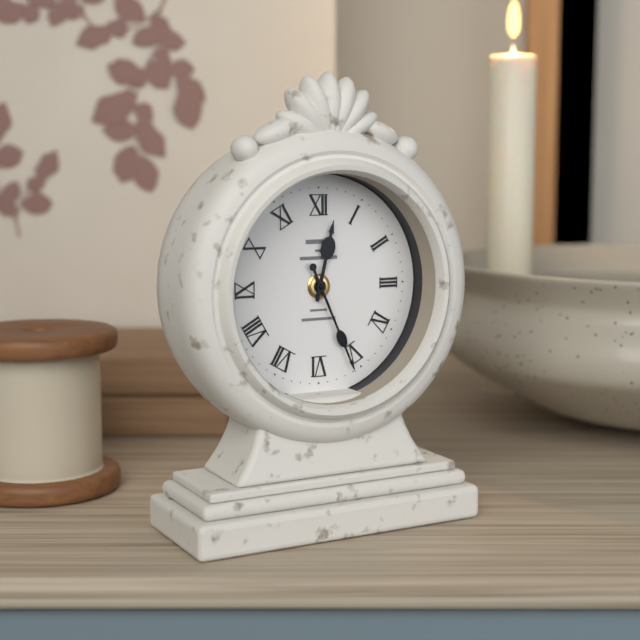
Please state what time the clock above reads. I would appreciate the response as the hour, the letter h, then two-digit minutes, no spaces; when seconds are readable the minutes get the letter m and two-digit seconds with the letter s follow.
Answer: 12h26
